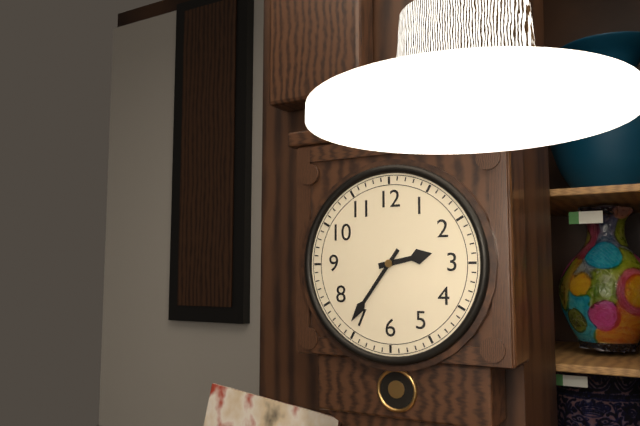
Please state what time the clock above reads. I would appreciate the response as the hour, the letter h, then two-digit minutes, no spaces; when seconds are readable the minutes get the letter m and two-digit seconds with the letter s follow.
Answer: 2h36
